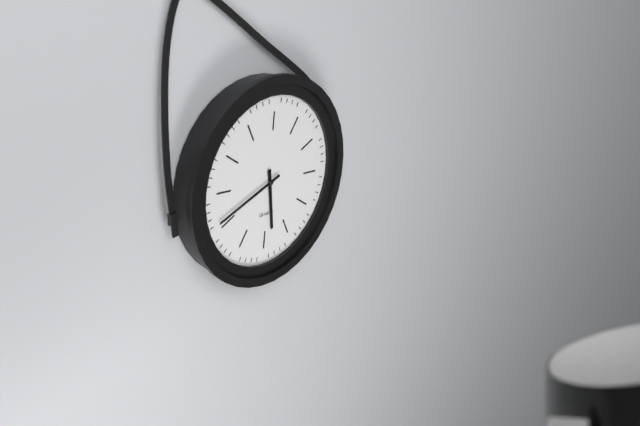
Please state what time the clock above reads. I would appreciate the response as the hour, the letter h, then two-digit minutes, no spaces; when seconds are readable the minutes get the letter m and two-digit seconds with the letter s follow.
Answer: 5h41
